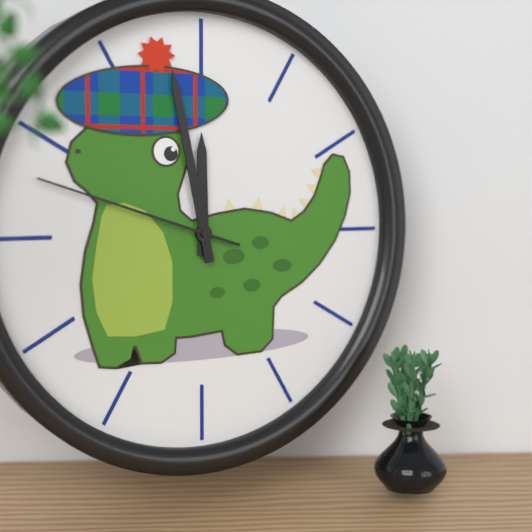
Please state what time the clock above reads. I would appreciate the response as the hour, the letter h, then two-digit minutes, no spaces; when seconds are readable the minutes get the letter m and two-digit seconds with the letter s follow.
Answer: 11h58m48s
